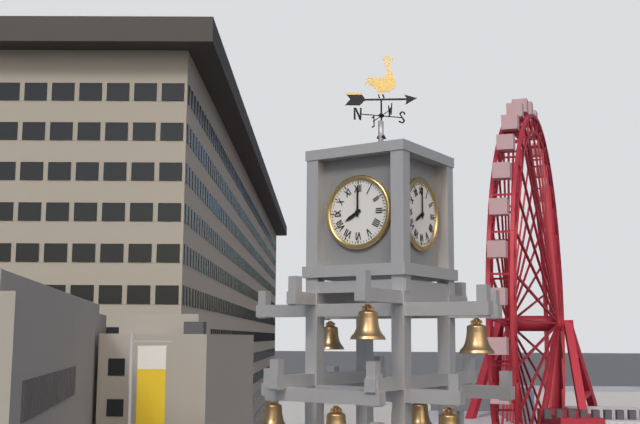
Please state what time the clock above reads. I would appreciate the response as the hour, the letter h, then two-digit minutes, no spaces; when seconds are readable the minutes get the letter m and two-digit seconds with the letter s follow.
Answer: 8h00
